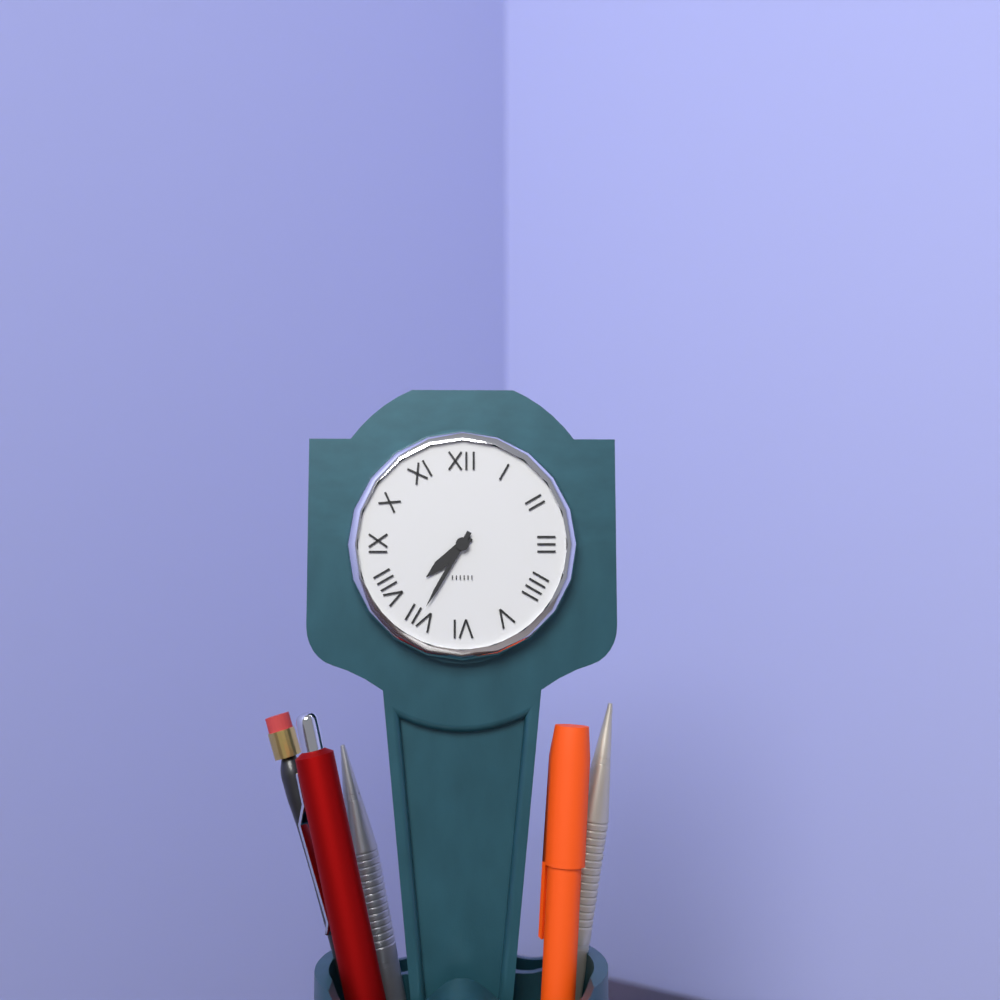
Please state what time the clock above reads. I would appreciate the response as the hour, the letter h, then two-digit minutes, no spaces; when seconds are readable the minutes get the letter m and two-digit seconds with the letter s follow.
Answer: 7h35
